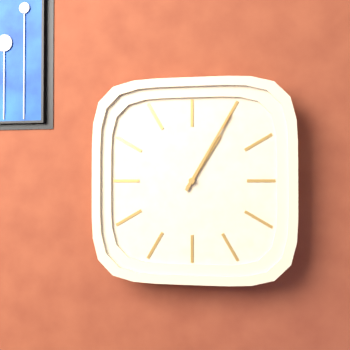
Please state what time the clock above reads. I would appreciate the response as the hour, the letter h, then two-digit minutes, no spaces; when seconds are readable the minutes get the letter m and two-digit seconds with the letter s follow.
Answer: 1h05
